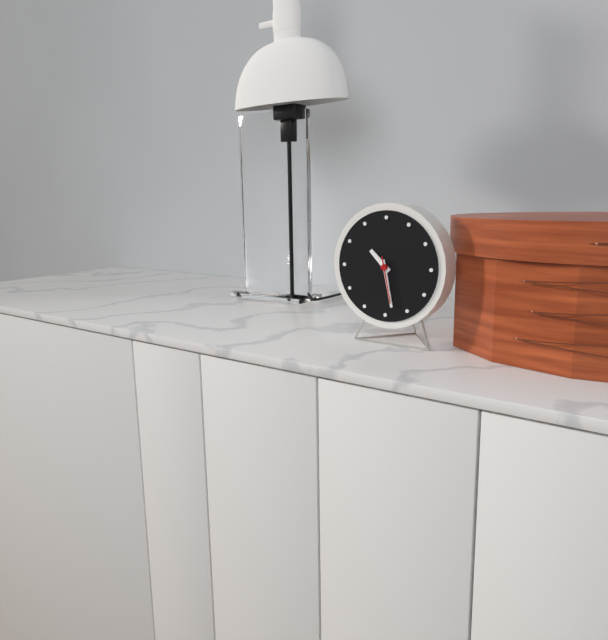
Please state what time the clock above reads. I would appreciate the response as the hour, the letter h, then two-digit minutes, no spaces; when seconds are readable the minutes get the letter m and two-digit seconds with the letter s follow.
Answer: 10h28
